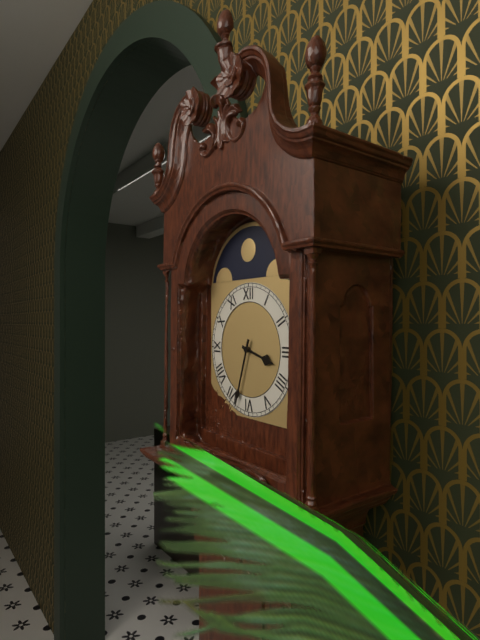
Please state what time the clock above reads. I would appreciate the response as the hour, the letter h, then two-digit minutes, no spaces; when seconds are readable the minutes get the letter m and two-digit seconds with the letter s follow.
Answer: 3h33
